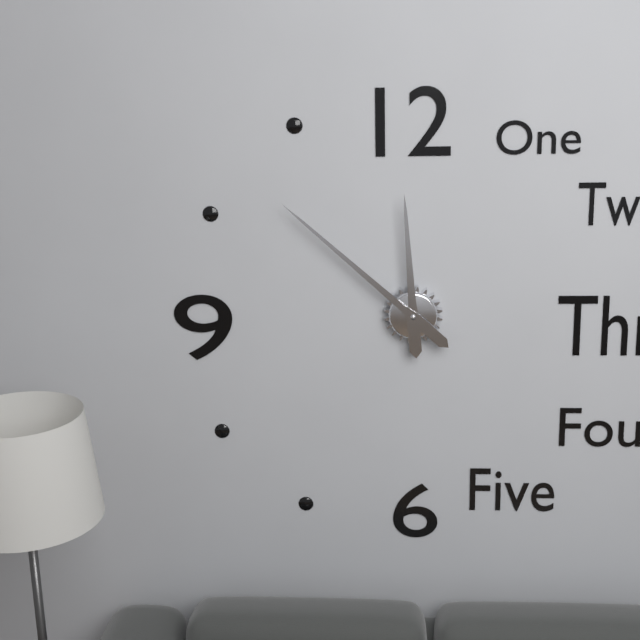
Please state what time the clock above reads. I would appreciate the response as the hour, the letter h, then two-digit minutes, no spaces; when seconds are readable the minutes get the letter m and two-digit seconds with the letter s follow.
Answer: 11h52
